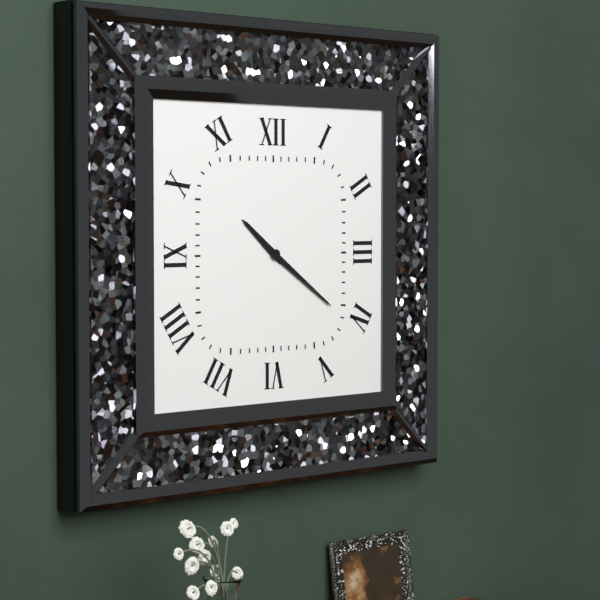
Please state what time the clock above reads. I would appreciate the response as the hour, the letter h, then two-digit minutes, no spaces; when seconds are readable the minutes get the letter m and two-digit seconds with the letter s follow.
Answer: 10h21
